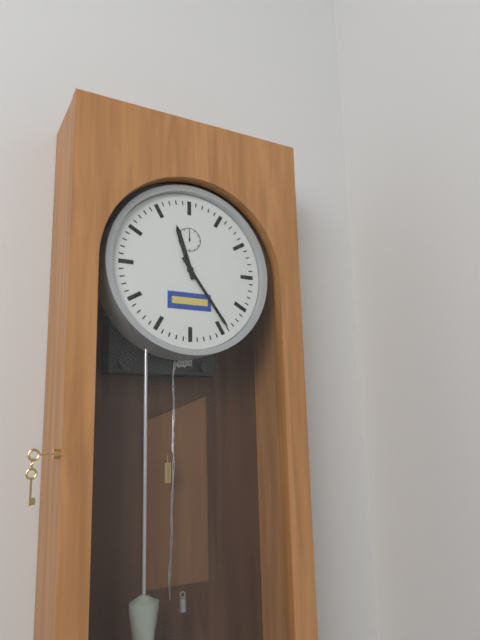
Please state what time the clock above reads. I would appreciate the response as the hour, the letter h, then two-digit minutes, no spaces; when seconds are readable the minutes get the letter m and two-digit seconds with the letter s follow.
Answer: 11h24
